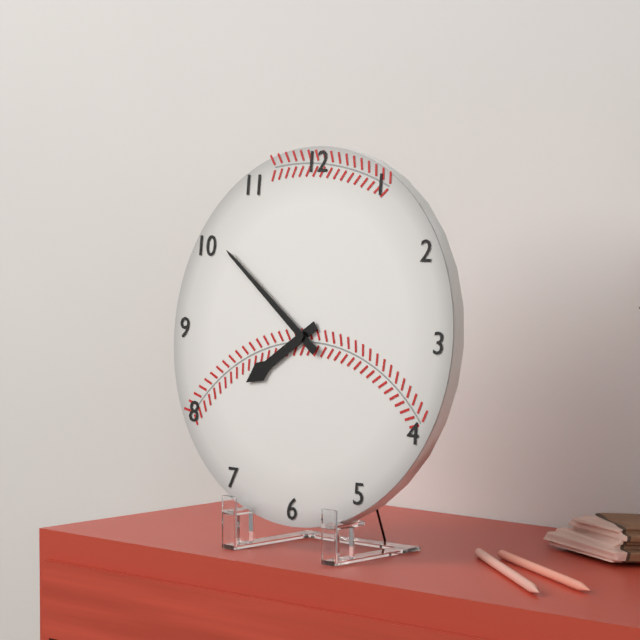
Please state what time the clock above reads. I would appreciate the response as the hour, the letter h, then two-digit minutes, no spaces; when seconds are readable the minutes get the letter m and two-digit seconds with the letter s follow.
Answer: 7h51
